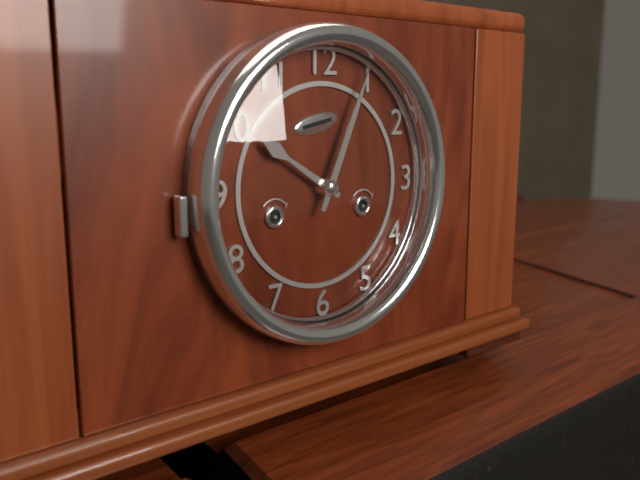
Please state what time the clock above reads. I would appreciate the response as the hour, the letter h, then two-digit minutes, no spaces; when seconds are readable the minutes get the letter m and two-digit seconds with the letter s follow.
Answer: 10h04
